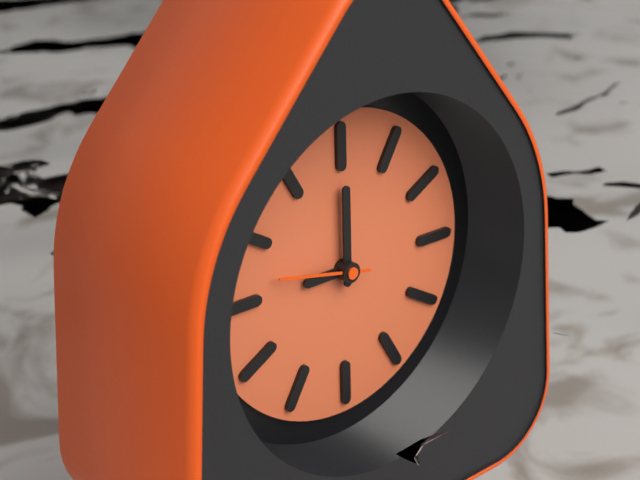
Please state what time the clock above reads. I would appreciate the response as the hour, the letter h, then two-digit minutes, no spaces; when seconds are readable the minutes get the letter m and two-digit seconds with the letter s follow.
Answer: 9h00m47s
